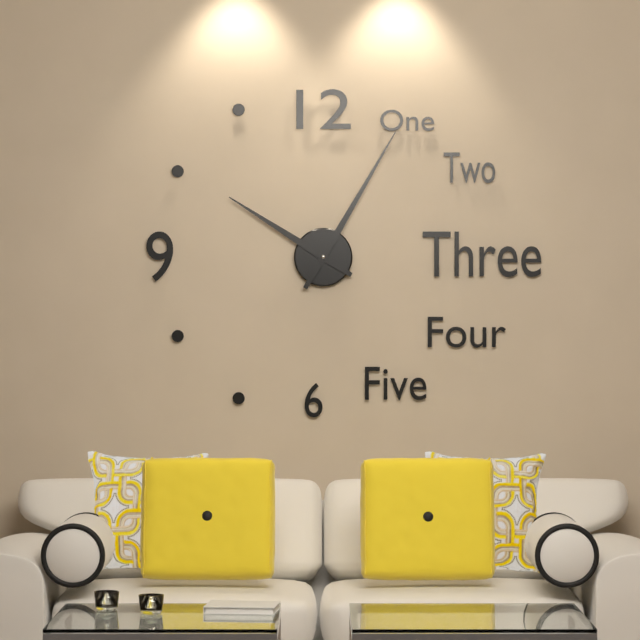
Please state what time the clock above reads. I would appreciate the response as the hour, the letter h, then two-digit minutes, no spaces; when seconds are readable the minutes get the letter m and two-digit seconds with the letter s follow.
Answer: 10h05
